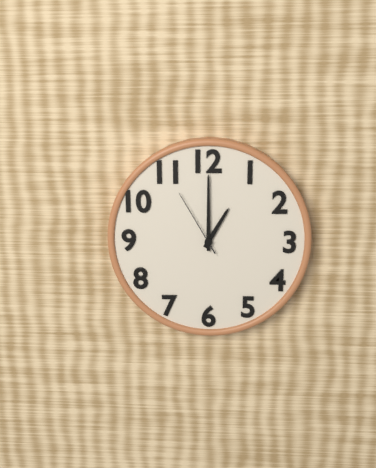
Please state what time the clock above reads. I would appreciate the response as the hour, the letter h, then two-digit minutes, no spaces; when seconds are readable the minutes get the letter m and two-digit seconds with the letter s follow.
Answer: 1h00m55s
